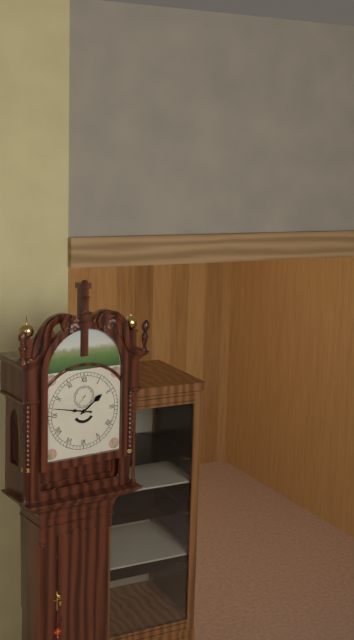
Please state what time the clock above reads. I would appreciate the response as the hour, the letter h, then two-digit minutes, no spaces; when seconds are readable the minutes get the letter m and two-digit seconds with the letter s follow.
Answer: 1h47
